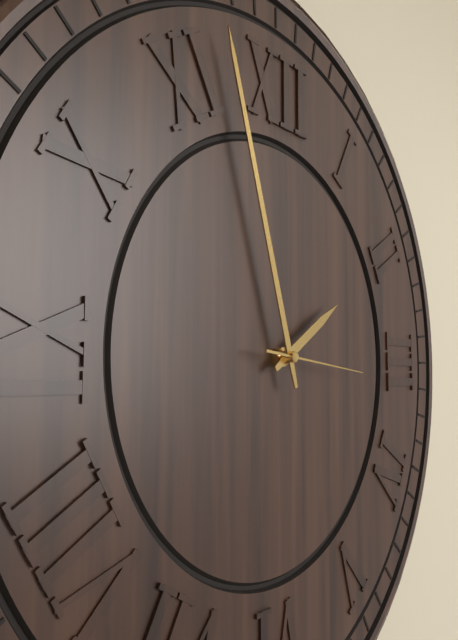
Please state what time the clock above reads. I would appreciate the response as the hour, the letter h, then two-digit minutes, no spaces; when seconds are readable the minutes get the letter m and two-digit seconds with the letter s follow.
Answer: 1h57m16s
